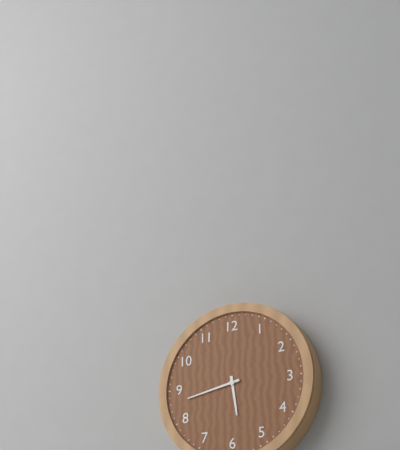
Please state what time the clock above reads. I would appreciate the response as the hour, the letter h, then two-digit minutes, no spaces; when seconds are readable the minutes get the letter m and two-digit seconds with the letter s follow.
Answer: 5h43
